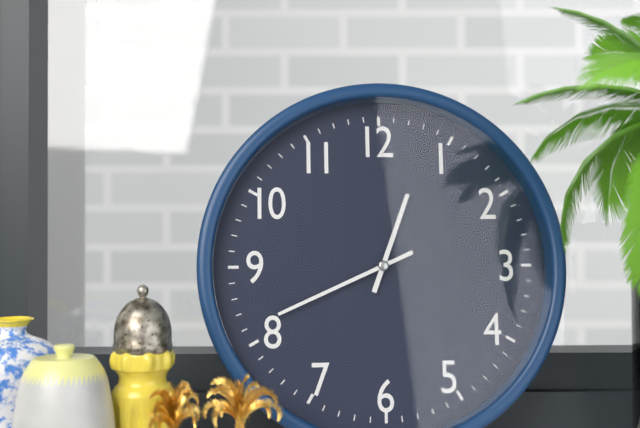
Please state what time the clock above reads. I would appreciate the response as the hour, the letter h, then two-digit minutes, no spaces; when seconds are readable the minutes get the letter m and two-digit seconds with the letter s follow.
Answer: 12h41
